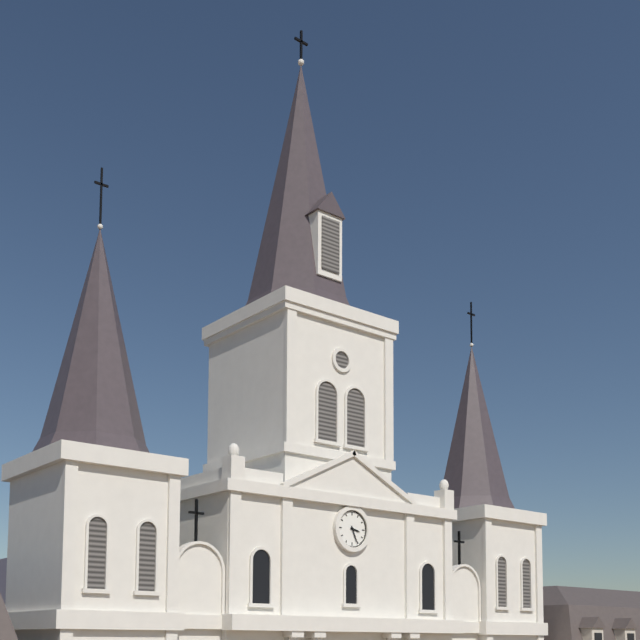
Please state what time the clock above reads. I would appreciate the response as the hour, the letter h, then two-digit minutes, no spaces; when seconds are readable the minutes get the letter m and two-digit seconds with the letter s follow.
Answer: 3h26
